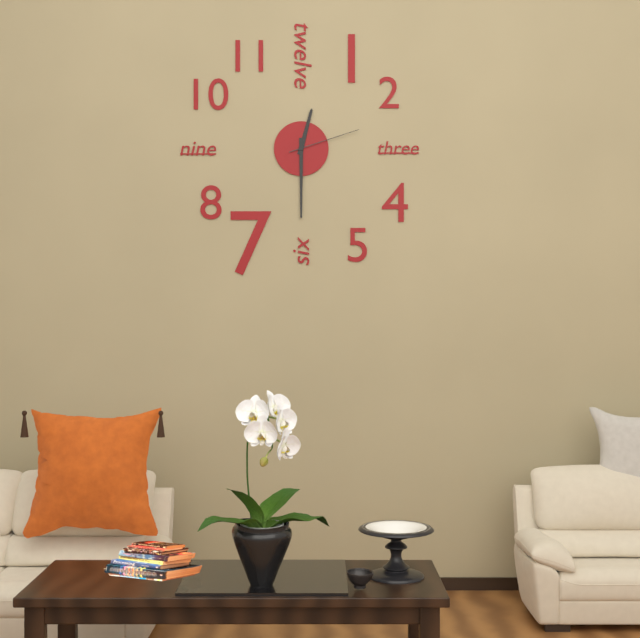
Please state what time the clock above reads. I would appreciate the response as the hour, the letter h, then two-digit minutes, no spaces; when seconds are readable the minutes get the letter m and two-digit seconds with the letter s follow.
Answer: 12h30m12s
